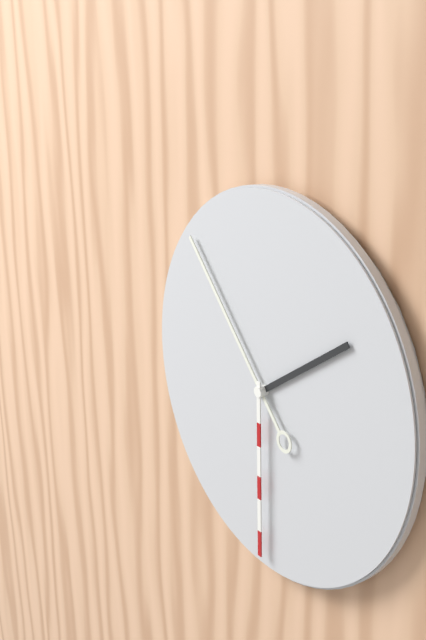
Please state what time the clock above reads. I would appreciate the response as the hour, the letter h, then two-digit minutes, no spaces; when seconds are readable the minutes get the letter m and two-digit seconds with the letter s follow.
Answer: 1h53m30s
